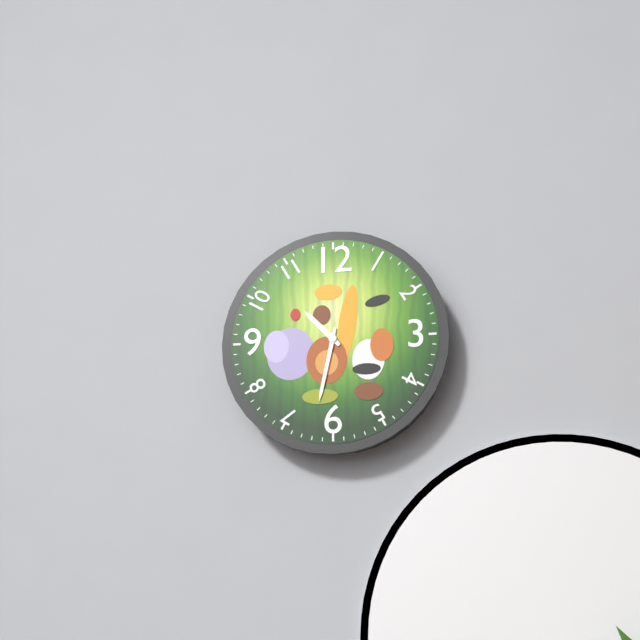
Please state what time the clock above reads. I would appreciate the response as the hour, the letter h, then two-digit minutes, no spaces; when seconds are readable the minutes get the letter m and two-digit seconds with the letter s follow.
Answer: 10h32
